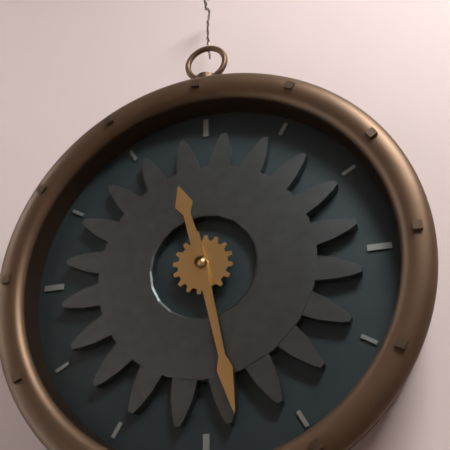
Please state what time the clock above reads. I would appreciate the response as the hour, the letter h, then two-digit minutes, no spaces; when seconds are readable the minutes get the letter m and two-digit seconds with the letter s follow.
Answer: 11h28
